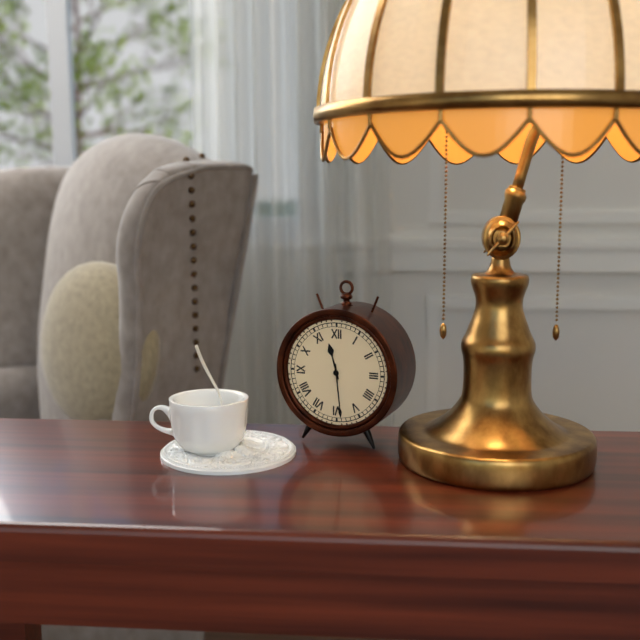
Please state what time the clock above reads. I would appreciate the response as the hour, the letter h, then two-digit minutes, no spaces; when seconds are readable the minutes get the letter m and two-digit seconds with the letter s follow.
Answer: 11h29
